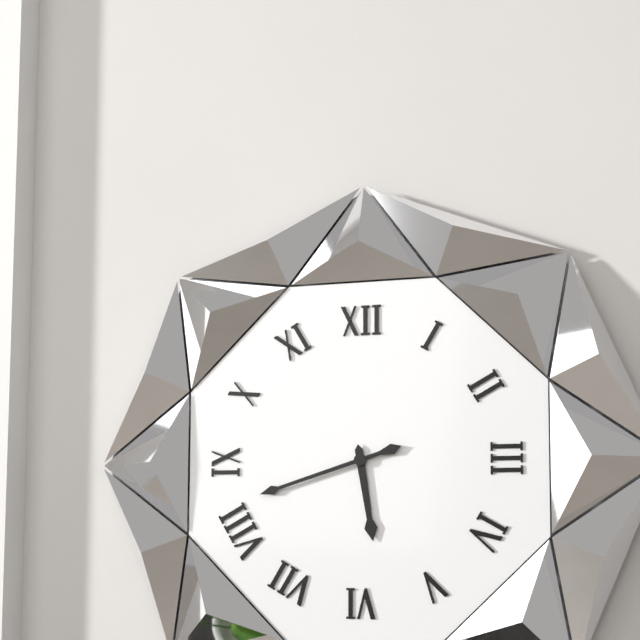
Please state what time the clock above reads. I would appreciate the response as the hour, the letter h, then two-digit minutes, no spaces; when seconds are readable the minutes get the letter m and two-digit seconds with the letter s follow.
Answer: 5h42
